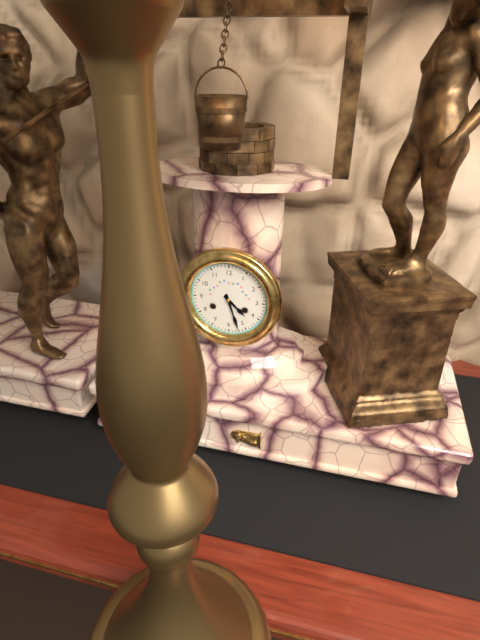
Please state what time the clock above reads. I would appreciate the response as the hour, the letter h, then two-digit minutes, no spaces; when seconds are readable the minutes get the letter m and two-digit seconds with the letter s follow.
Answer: 4h27
